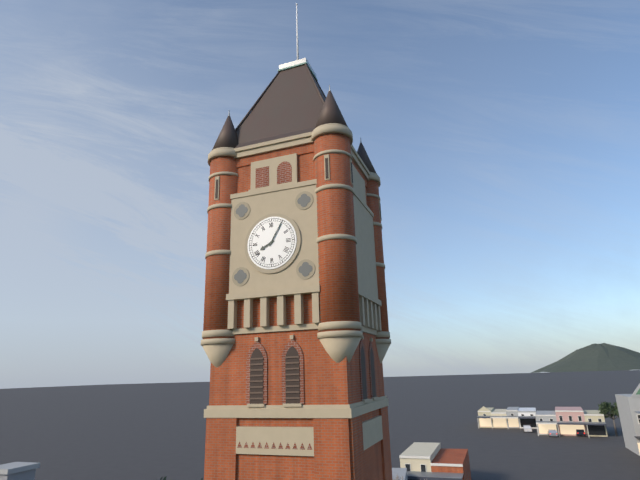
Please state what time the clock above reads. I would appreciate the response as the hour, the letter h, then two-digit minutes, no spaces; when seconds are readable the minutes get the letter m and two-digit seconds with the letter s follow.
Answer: 8h05
